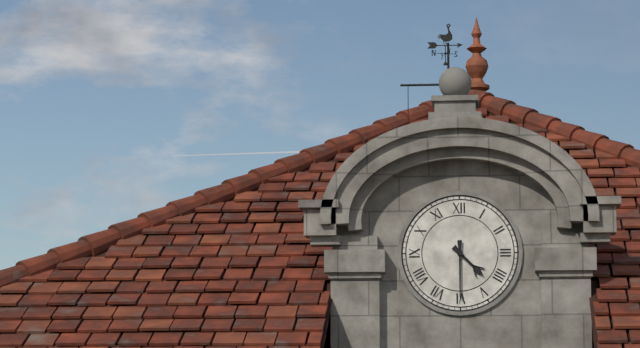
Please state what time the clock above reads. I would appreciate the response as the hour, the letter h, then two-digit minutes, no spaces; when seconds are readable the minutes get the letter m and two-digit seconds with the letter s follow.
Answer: 4h30
